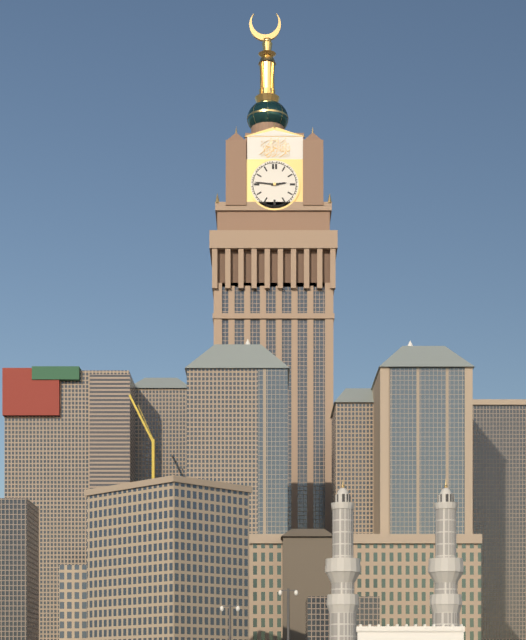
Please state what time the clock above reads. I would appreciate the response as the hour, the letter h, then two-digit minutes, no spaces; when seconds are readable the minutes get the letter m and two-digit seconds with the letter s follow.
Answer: 2h46
